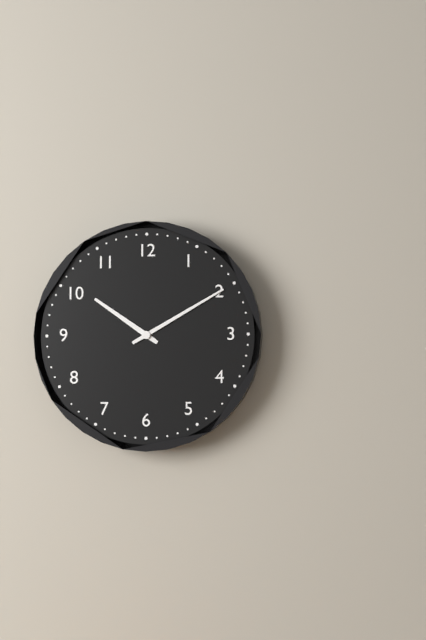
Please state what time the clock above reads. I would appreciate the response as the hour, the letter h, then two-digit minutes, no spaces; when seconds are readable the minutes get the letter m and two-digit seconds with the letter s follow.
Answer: 10h10
